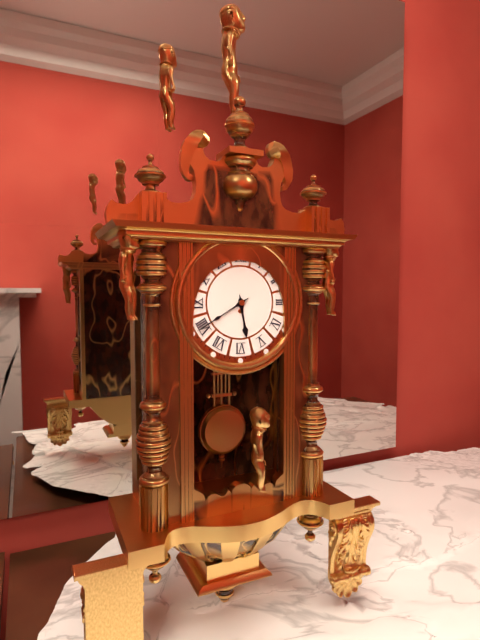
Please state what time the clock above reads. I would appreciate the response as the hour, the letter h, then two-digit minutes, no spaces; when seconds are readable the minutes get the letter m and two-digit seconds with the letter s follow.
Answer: 5h40
